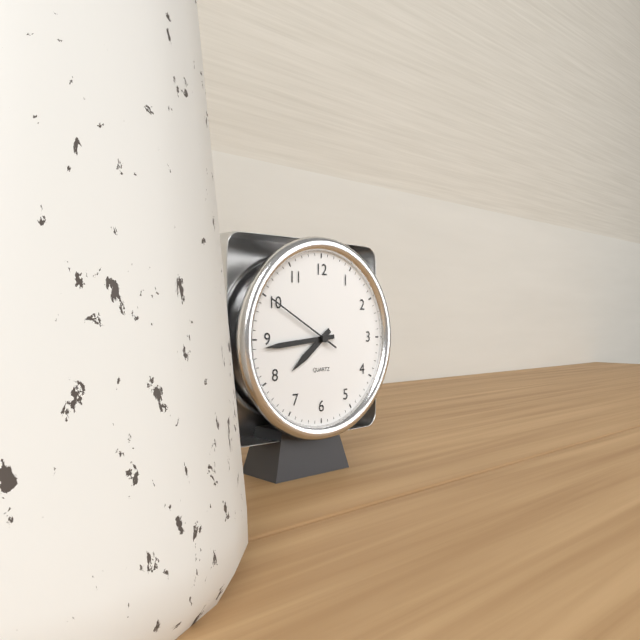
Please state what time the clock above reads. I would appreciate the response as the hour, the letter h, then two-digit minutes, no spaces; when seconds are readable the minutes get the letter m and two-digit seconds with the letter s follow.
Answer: 7h44m50s
